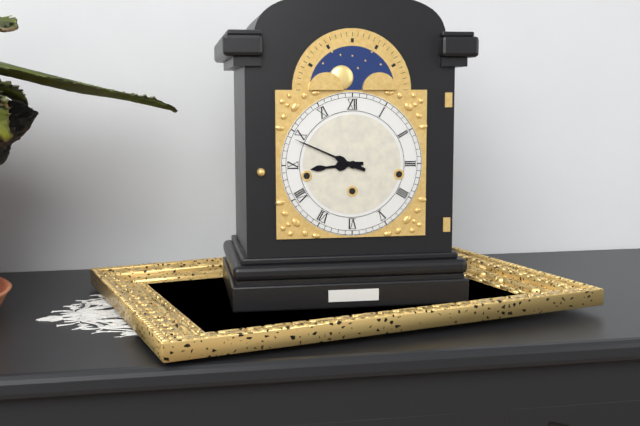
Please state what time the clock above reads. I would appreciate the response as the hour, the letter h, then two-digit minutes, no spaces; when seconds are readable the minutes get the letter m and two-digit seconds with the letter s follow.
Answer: 8h49
